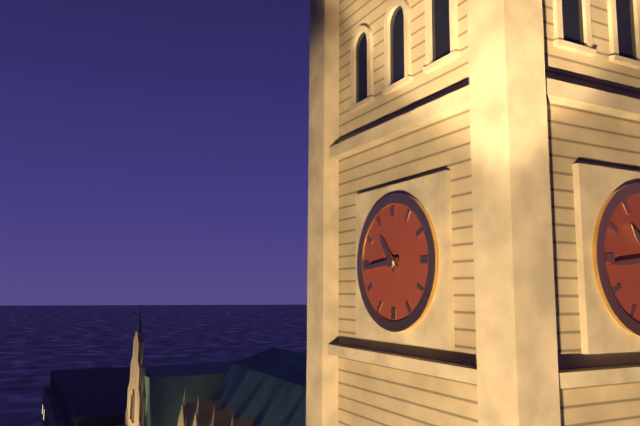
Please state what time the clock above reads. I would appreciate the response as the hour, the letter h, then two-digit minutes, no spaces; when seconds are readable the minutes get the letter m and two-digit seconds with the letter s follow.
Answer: 10h44
